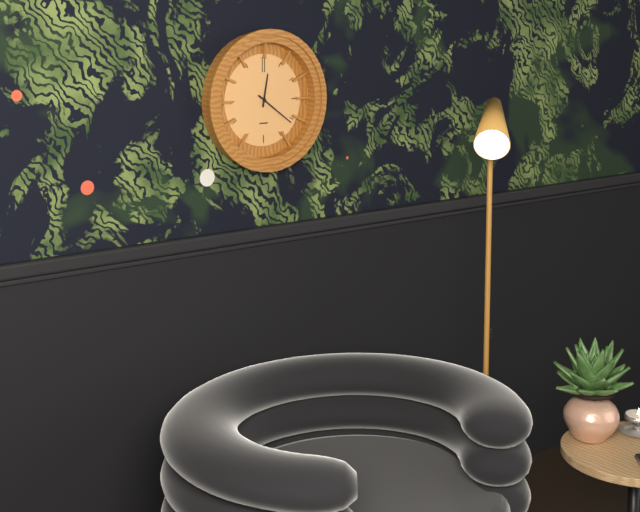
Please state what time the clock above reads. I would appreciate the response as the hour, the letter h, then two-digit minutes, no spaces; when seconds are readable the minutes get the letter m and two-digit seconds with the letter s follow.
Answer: 12h21
